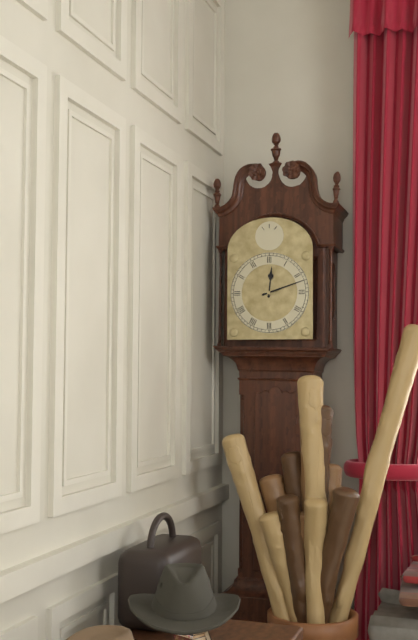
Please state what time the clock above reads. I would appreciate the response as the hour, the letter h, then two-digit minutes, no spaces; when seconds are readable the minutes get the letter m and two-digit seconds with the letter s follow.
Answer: 12h12
